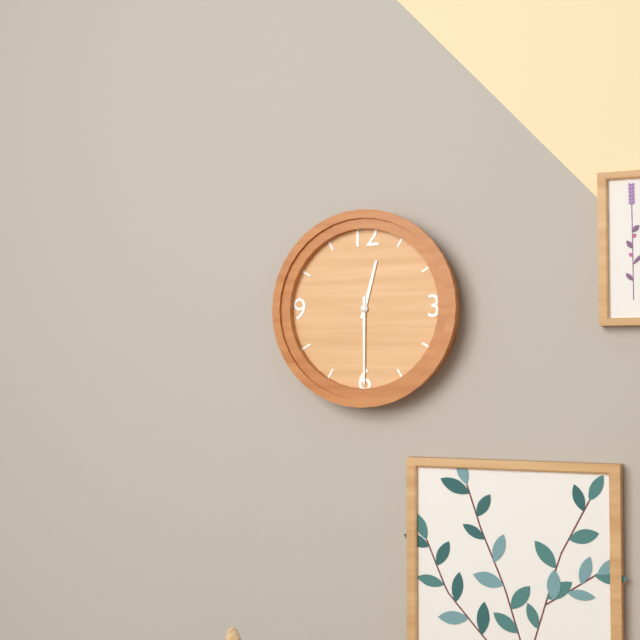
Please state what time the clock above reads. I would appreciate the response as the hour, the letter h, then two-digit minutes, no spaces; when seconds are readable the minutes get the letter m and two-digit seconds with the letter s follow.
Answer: 12h30
